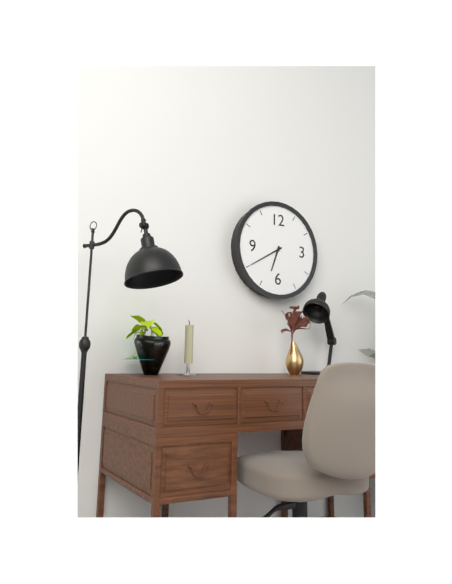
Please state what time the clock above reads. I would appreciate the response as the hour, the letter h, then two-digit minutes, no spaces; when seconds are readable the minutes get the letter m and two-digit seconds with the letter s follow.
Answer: 6h40
